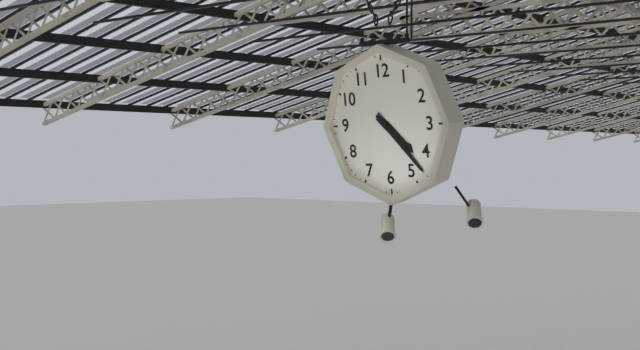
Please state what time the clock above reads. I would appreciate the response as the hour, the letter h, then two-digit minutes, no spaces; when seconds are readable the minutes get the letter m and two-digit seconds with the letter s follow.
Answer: 4h23
